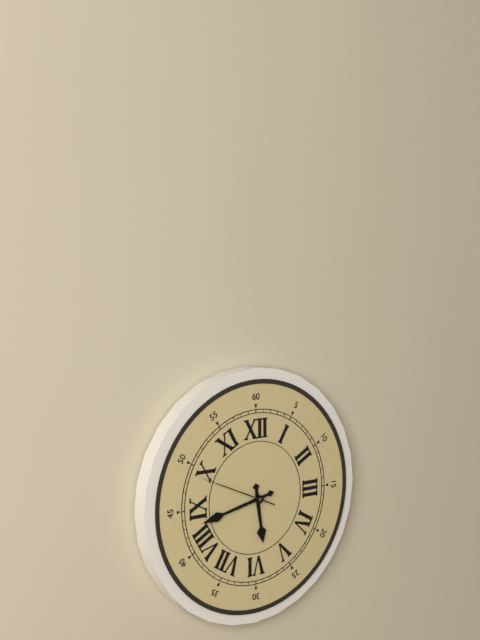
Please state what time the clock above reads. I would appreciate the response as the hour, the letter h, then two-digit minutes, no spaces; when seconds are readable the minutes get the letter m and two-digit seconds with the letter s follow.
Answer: 5h43m49s
